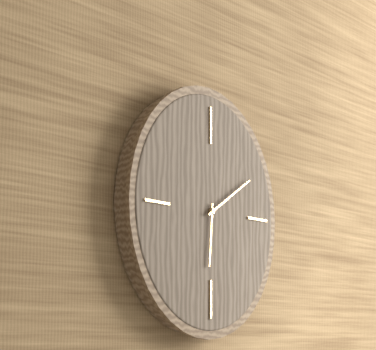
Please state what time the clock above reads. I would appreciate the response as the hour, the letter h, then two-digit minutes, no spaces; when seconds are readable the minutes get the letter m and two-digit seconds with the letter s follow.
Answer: 6h10
